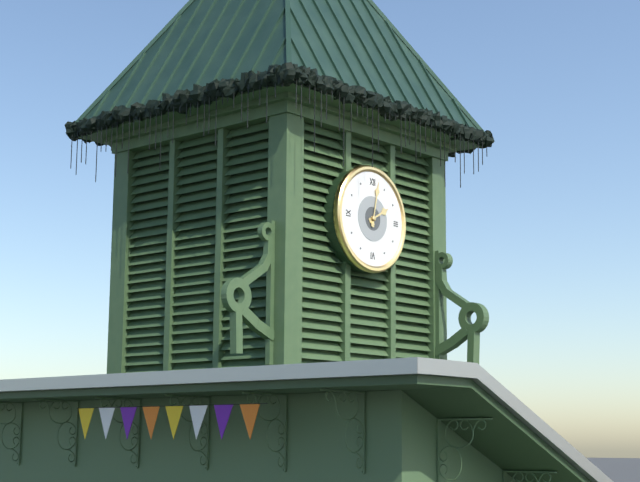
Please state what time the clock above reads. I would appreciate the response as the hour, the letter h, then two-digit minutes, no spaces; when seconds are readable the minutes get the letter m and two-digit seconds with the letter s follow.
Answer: 2h02
